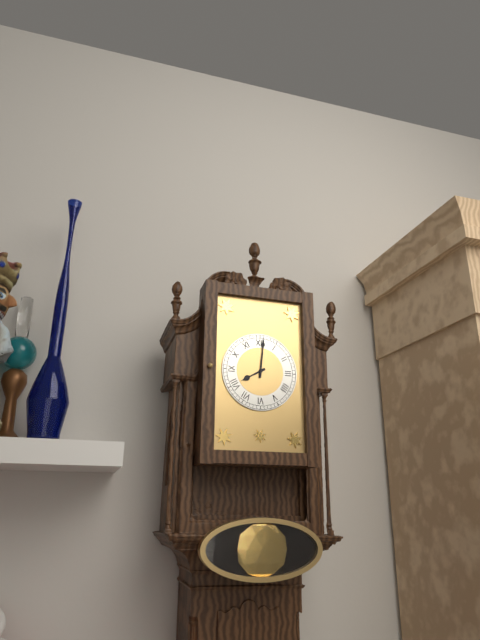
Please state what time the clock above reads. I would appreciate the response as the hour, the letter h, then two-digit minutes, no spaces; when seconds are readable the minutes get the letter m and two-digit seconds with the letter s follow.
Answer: 8h01
